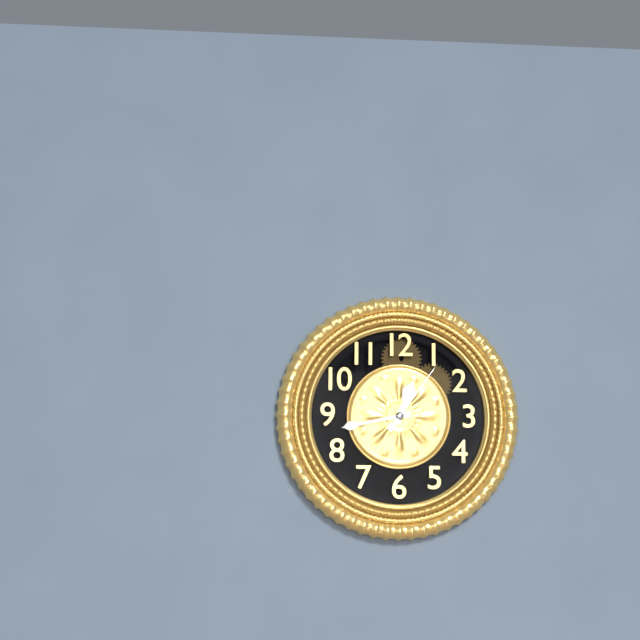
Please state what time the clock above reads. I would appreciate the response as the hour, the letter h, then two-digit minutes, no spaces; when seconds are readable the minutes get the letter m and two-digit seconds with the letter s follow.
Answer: 12h43m06s
